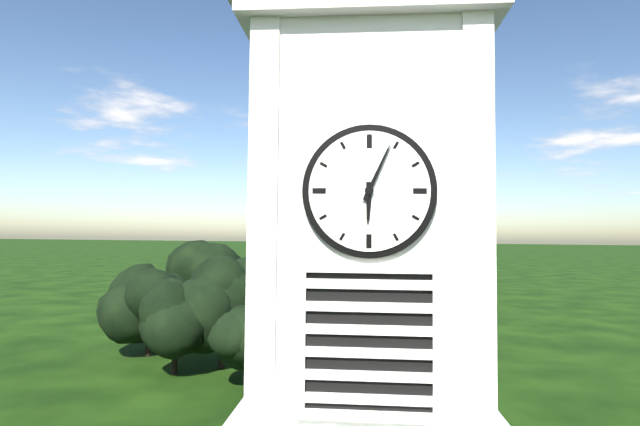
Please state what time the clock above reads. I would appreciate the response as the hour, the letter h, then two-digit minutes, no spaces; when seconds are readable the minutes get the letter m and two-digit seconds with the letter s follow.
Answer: 6h04
